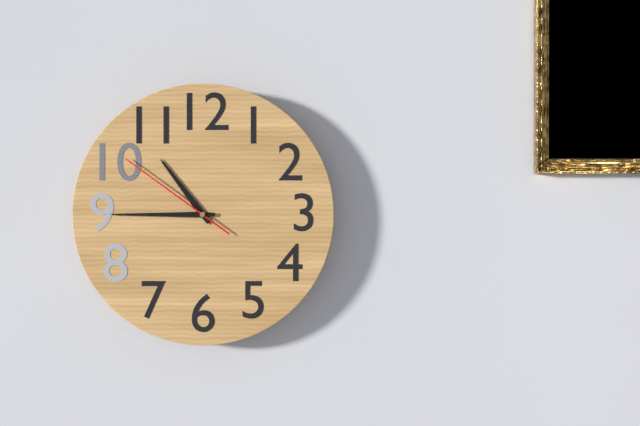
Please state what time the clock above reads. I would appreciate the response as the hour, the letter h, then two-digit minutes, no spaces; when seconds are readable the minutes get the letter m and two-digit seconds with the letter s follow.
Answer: 10h45m51s
